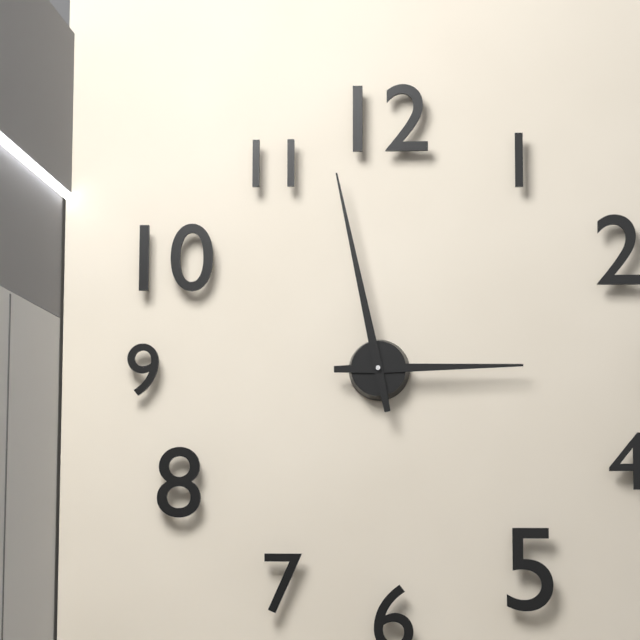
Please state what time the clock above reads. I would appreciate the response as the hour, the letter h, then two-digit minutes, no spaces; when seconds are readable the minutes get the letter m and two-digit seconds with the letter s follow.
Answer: 2h58
